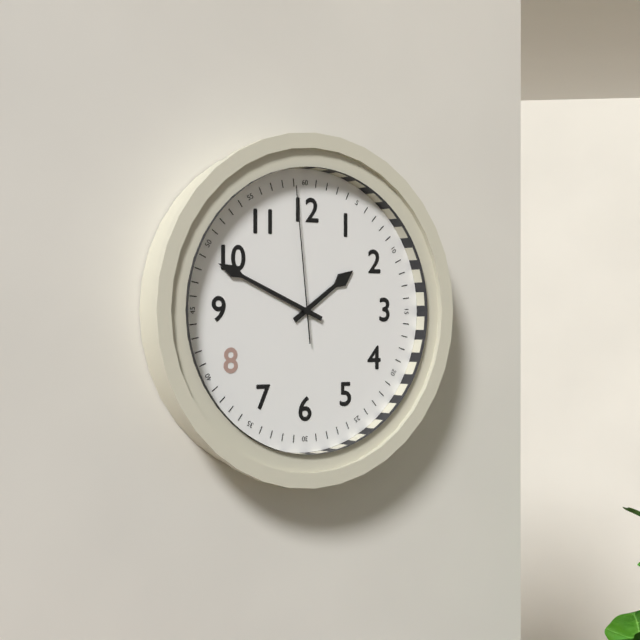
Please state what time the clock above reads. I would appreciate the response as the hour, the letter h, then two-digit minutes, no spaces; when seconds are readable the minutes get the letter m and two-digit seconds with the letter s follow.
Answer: 1h49m59s
